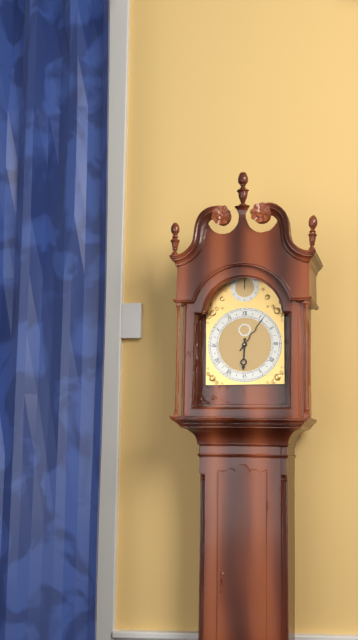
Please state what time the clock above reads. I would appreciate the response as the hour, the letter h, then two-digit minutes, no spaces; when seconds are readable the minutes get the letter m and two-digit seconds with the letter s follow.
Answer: 6h06
